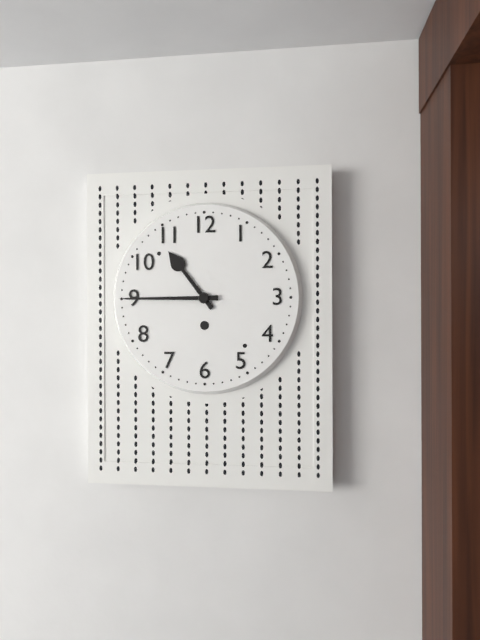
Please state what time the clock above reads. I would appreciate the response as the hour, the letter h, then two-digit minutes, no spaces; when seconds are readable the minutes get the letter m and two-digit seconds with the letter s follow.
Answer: 10h45
